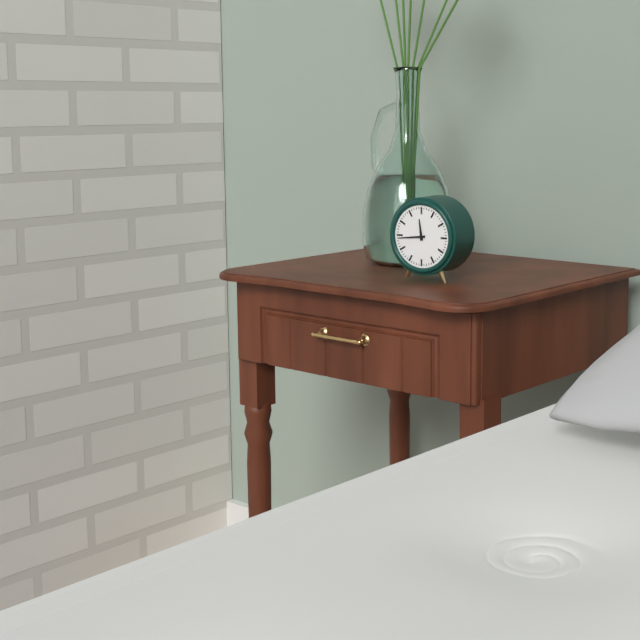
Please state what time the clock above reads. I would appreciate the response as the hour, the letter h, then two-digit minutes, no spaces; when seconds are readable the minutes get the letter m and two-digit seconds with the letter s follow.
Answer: 11h44
